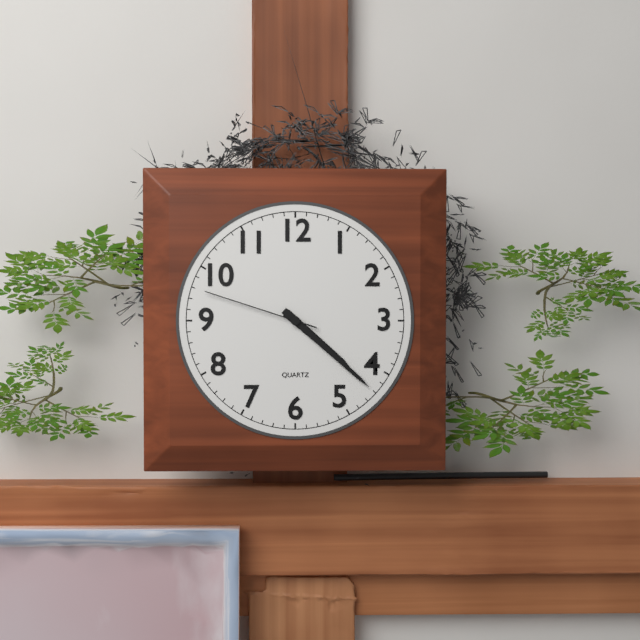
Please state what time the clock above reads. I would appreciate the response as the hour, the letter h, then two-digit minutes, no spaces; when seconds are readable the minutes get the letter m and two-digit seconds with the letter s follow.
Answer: 4h22m48s
